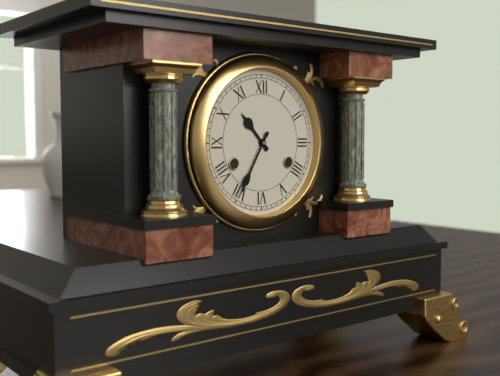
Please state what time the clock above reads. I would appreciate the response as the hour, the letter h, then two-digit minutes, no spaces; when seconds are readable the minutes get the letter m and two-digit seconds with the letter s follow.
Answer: 10h35
